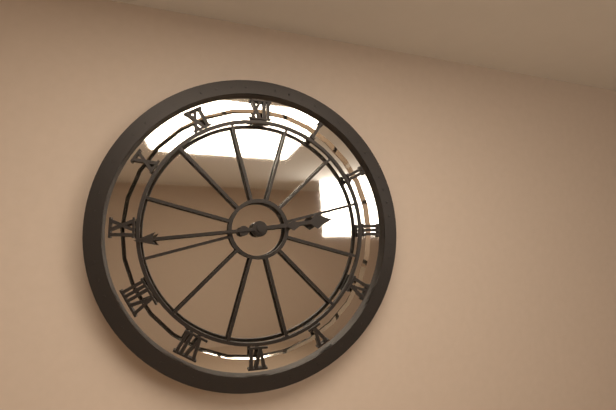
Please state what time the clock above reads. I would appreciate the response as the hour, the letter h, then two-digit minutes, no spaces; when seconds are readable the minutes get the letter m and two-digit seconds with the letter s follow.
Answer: 2h44
